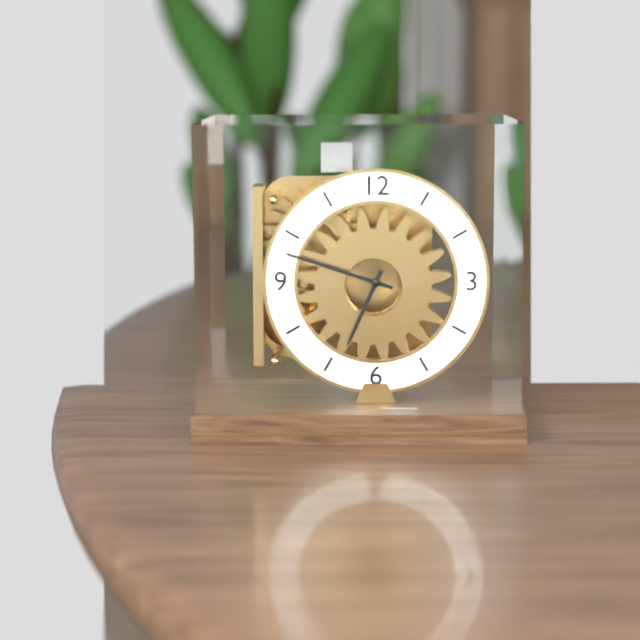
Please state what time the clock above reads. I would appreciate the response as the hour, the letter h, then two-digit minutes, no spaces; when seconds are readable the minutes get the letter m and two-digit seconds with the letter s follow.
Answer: 6h48
